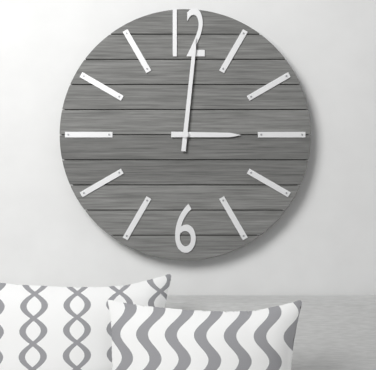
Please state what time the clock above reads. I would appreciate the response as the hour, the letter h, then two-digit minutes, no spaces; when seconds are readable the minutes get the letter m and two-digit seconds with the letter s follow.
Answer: 3h01
